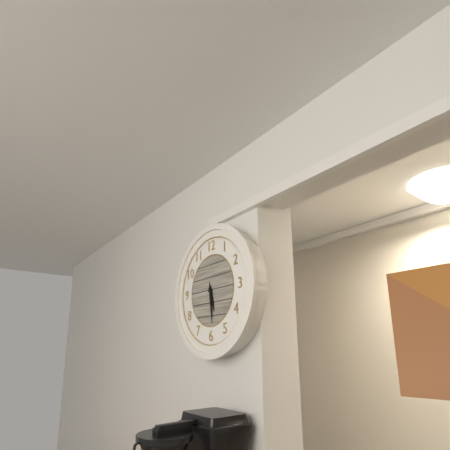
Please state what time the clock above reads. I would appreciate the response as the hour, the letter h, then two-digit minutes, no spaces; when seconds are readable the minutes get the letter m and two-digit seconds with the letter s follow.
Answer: 5h29
